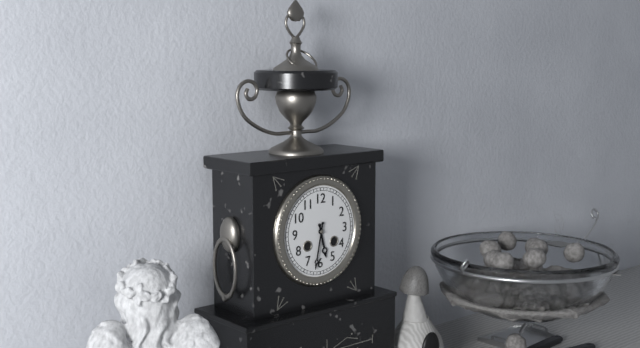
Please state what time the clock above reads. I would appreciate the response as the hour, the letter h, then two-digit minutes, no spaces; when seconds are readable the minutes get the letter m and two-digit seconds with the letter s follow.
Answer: 5h32
